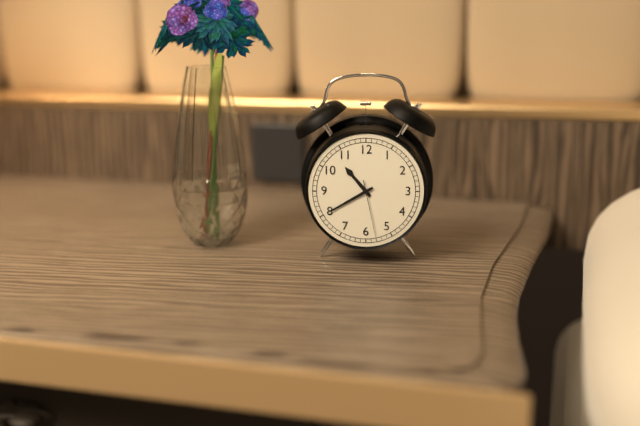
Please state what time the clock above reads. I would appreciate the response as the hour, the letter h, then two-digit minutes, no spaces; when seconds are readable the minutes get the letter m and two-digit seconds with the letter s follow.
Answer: 10h40m28s
